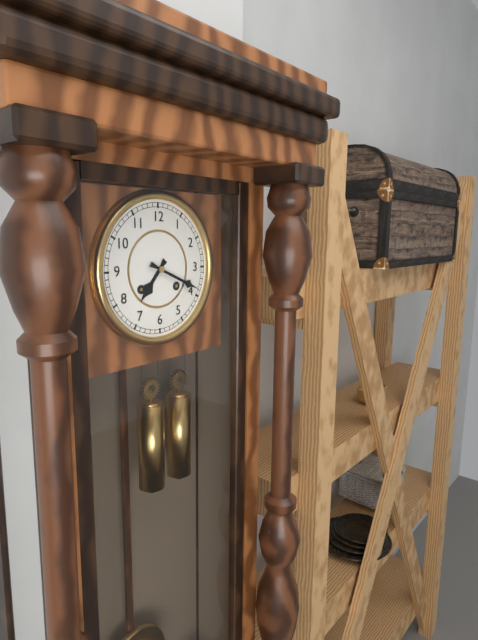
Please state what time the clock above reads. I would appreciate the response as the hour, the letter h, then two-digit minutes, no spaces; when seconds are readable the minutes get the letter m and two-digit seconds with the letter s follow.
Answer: 7h19
